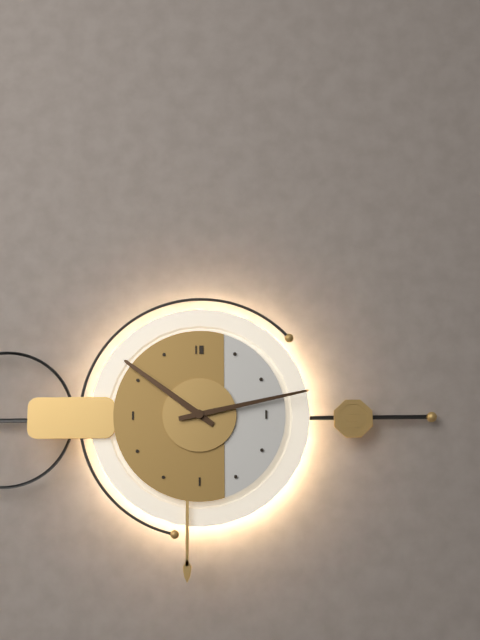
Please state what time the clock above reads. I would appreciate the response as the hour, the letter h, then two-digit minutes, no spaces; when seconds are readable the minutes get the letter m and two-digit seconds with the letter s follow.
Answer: 10h13
